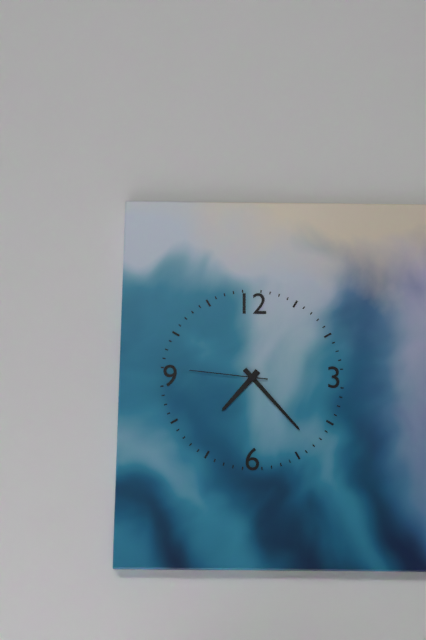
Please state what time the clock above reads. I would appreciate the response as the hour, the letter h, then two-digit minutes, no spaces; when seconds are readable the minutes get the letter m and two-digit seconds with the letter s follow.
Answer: 7h23m46s
